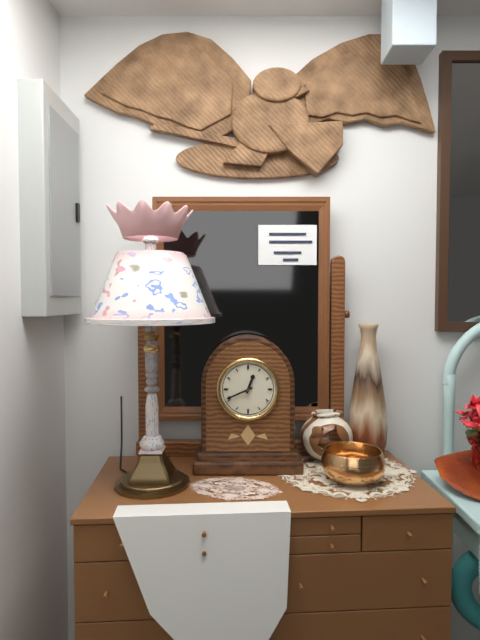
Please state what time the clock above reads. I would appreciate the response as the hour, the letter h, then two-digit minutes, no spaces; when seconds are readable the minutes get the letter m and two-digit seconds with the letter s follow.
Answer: 12h41
